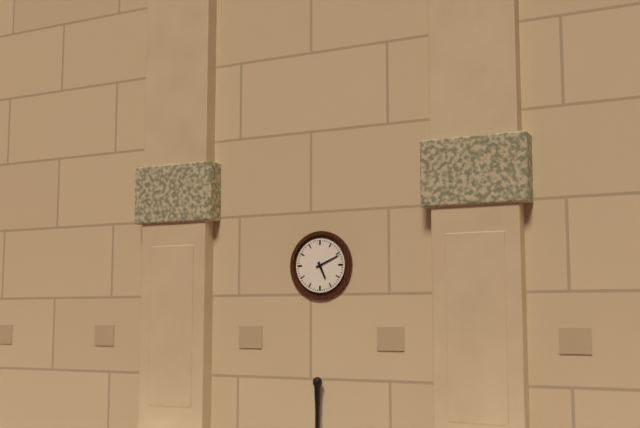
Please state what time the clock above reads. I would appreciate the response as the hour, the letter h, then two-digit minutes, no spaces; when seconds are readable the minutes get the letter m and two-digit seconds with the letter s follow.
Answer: 5h11
